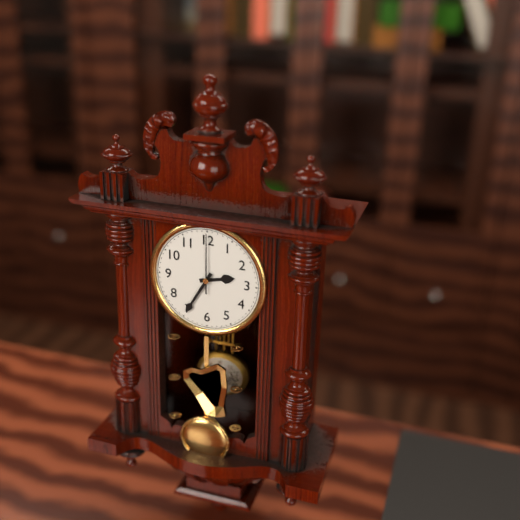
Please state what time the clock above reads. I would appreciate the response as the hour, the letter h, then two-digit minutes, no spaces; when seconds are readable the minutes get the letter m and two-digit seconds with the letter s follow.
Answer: 2h35m00s
